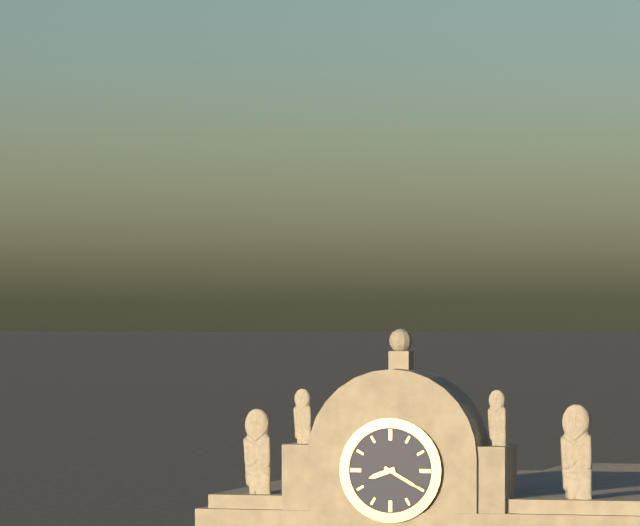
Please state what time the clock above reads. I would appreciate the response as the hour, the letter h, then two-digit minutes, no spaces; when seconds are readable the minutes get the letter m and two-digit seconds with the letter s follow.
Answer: 8h20
